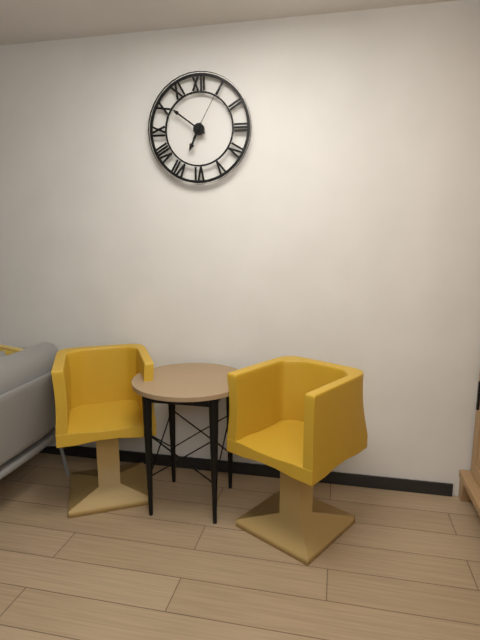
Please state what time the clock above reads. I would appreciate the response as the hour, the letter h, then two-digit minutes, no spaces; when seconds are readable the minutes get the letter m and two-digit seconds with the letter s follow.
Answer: 6h51m05s
